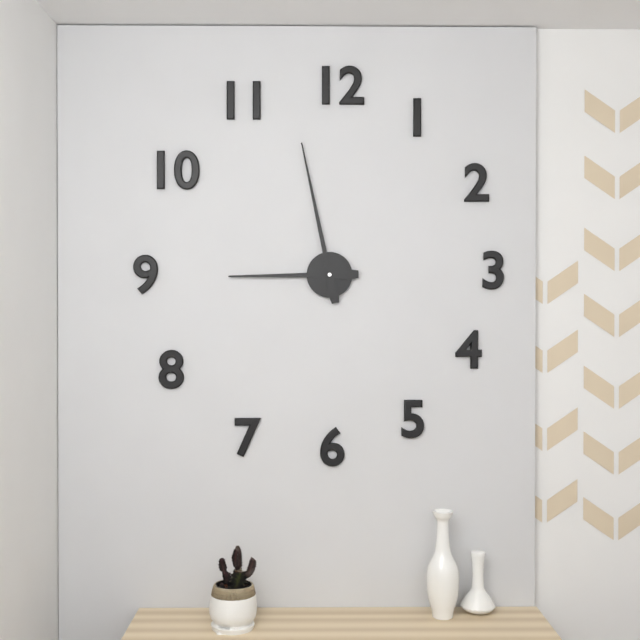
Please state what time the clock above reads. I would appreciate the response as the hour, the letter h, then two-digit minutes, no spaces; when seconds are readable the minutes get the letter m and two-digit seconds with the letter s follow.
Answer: 8h58
